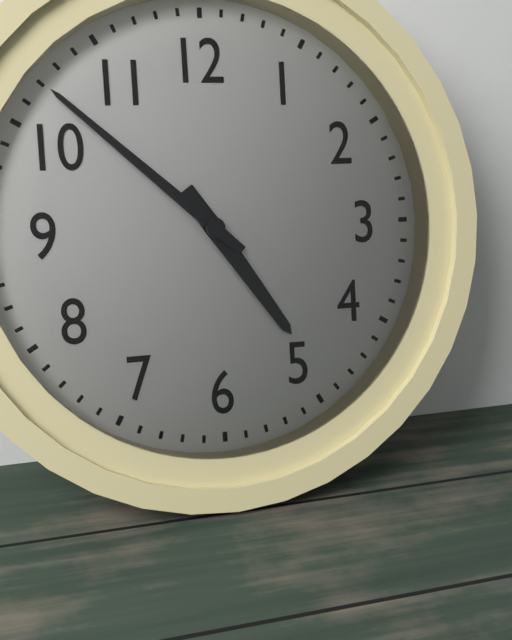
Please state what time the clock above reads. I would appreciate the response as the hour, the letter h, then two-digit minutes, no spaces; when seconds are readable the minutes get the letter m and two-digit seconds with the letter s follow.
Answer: 4h52
